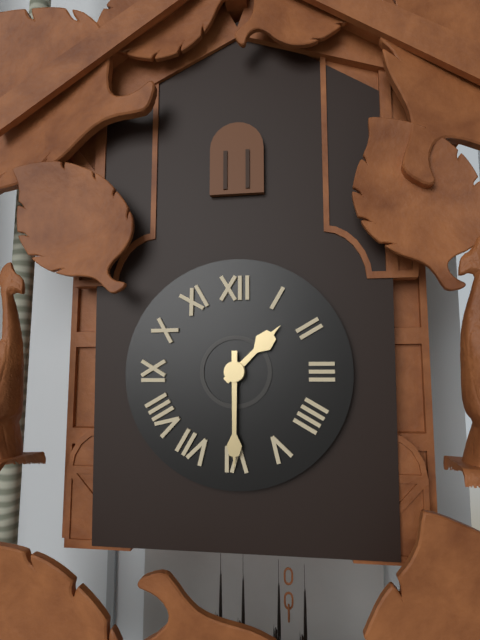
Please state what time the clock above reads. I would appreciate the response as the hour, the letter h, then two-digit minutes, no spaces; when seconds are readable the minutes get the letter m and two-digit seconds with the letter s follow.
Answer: 1h30
